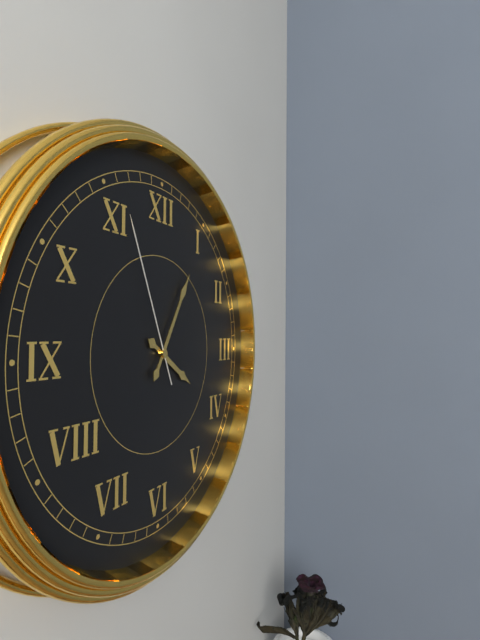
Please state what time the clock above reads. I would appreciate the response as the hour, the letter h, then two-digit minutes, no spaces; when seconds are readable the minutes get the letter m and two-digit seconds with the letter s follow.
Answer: 4h05m56s
